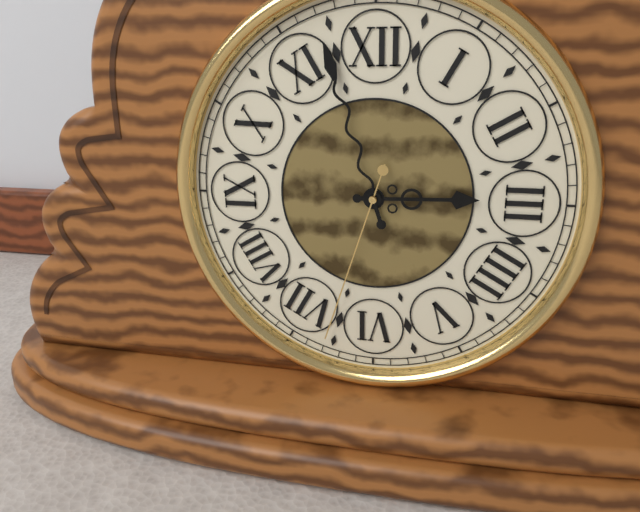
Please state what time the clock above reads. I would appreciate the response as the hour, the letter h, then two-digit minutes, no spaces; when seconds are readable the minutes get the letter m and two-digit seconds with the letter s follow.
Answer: 2h57m33s
